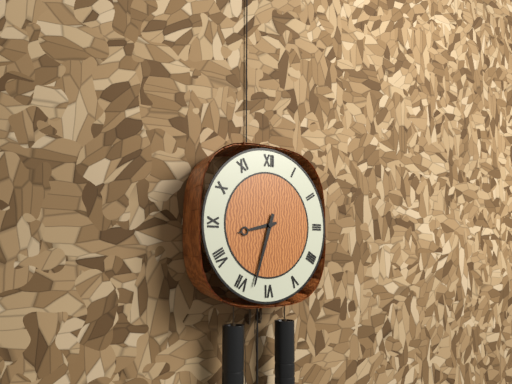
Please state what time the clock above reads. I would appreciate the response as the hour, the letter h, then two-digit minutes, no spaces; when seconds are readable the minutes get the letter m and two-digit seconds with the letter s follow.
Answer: 8h33
